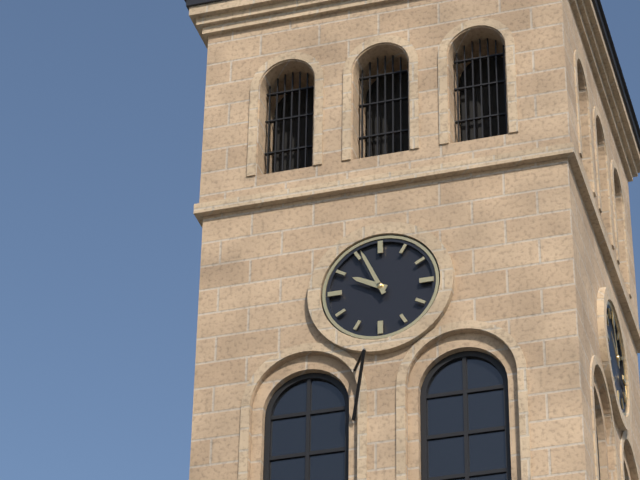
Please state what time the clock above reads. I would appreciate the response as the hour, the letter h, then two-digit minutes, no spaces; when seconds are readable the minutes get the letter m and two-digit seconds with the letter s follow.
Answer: 9h56
